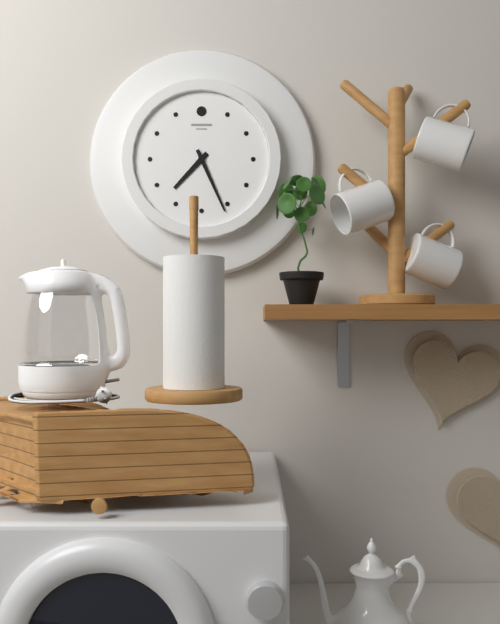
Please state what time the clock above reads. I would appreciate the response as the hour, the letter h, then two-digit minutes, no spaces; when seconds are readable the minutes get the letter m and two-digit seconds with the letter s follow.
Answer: 7h26
